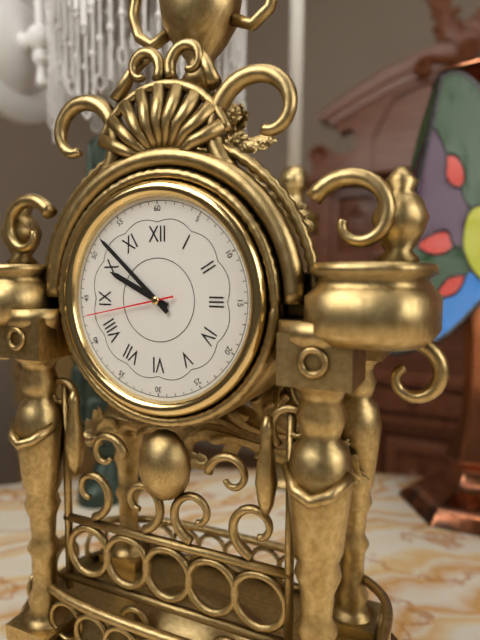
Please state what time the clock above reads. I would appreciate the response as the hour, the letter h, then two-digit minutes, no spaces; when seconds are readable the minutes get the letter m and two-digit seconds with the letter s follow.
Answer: 9h52m43s
